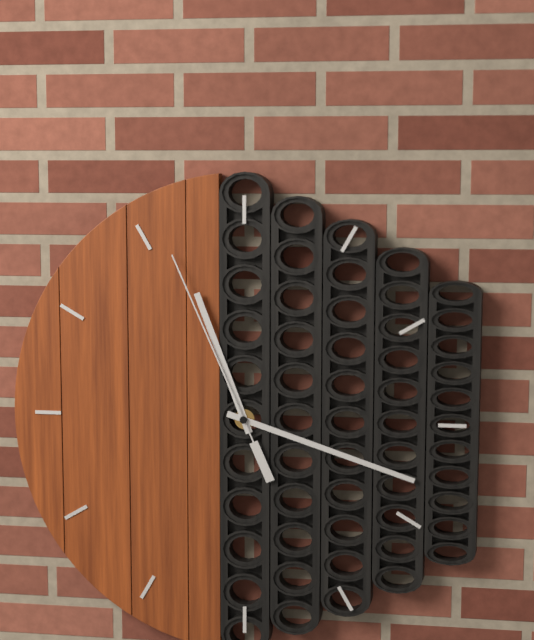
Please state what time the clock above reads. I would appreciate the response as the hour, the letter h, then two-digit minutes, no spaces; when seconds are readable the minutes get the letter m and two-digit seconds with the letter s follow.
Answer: 11h18m56s
